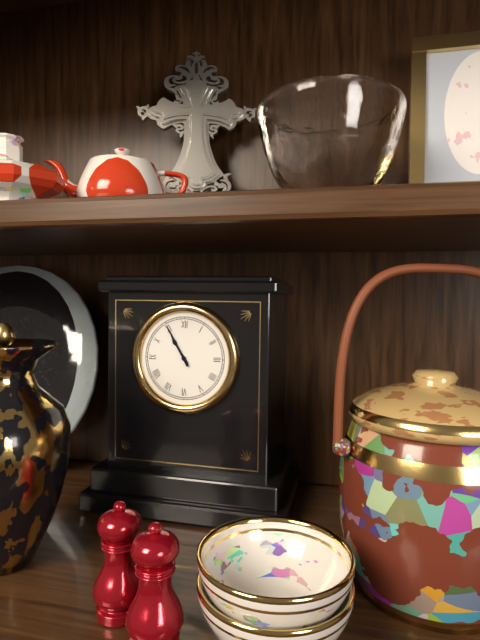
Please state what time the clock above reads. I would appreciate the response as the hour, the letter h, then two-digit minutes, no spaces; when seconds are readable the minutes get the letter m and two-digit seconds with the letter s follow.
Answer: 10h55
